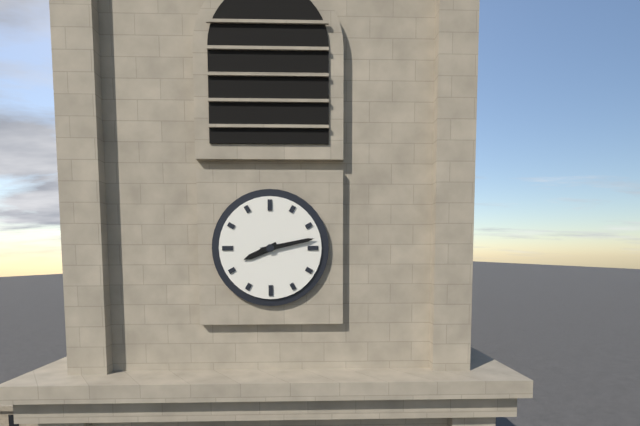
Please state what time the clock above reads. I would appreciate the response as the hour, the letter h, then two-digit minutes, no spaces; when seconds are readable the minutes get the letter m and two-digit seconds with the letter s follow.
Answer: 8h13
